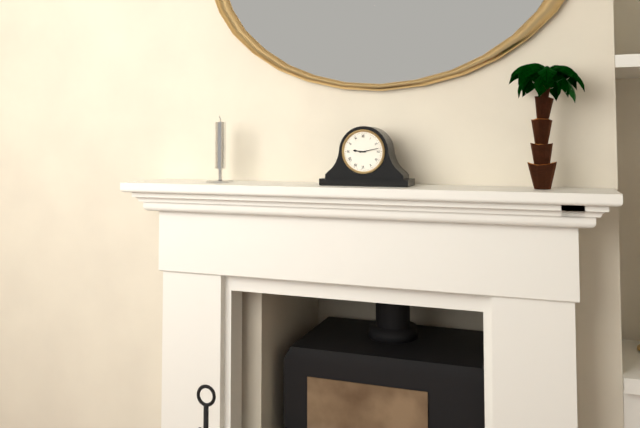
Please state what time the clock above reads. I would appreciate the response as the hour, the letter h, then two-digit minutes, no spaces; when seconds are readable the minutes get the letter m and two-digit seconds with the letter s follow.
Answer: 9h13
